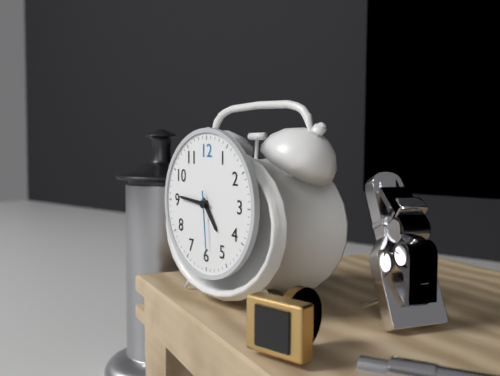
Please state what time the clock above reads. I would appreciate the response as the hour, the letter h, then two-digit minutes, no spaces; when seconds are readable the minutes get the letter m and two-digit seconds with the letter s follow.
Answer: 4h46m29s
